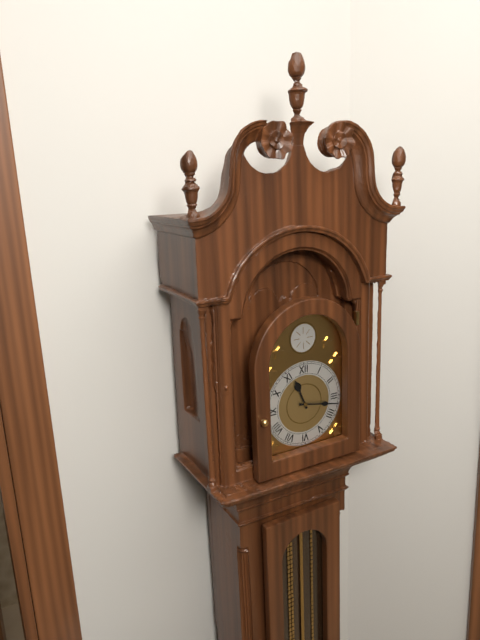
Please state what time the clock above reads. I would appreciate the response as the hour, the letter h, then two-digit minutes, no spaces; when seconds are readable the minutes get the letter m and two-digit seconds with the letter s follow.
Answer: 11h17
